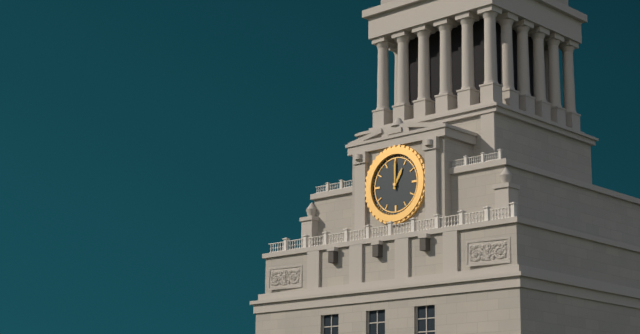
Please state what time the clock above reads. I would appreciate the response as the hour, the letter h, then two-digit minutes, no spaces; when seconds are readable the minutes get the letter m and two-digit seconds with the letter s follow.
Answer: 1h00
